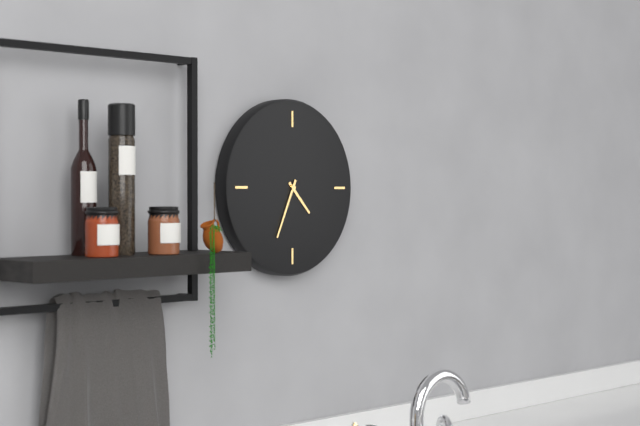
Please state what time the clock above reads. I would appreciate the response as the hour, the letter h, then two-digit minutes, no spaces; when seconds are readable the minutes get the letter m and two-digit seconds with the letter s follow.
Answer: 4h34
